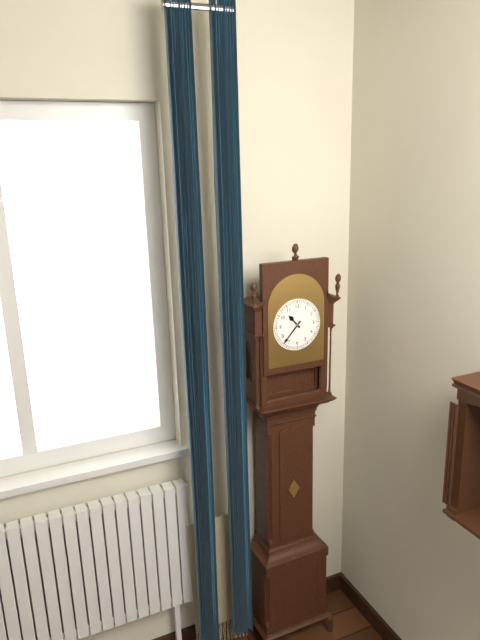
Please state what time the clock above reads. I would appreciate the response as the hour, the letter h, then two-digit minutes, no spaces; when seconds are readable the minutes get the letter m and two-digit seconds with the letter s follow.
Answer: 10h37
